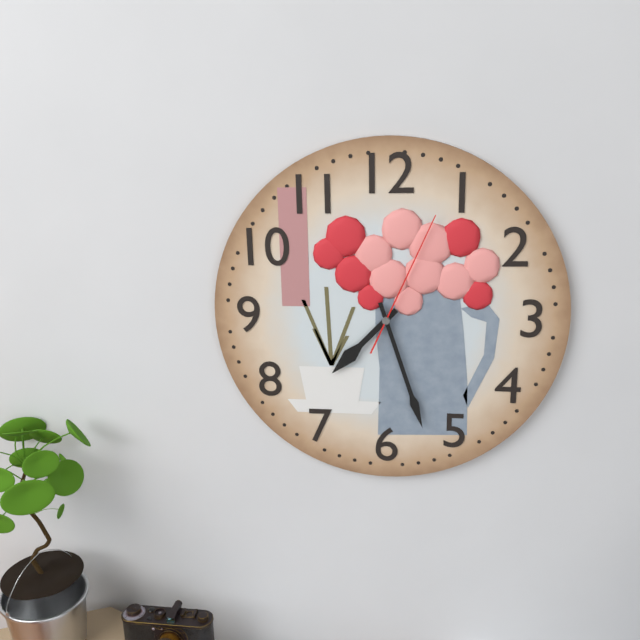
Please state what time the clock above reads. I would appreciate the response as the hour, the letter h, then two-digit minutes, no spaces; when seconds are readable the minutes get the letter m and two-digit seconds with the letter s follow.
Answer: 7h27m04s
